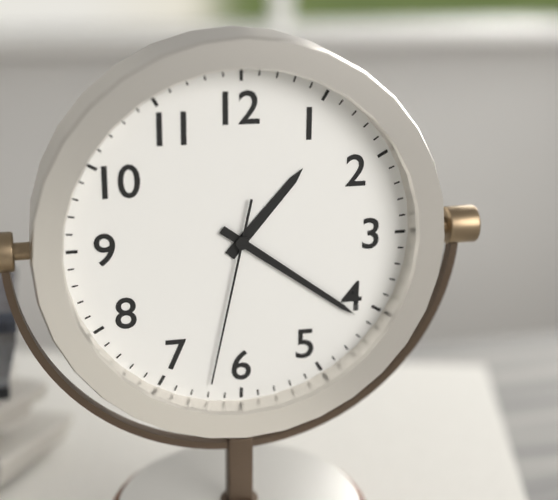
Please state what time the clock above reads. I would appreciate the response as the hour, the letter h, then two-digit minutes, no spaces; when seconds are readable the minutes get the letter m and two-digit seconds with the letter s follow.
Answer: 1h21m32s
